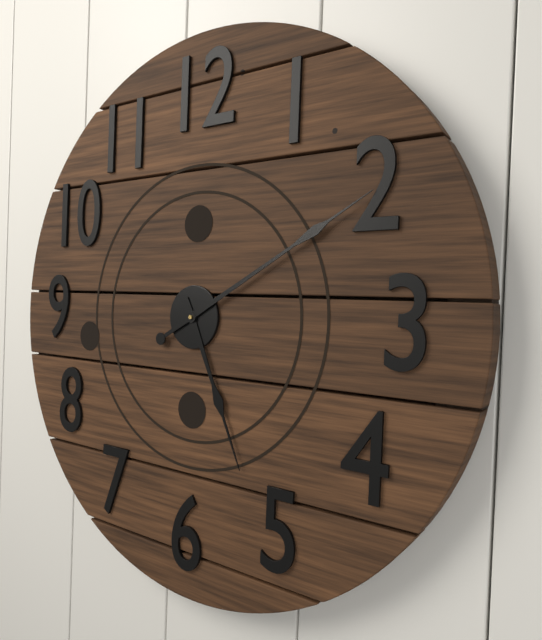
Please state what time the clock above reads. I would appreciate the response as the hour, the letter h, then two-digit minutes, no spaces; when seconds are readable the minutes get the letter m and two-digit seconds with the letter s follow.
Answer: 5h10
